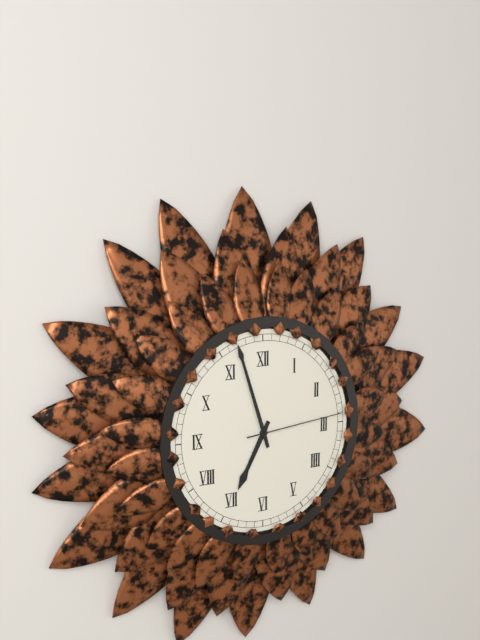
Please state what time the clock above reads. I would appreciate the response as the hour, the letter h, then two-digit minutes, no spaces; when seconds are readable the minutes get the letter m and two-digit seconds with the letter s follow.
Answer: 6h57m14s
